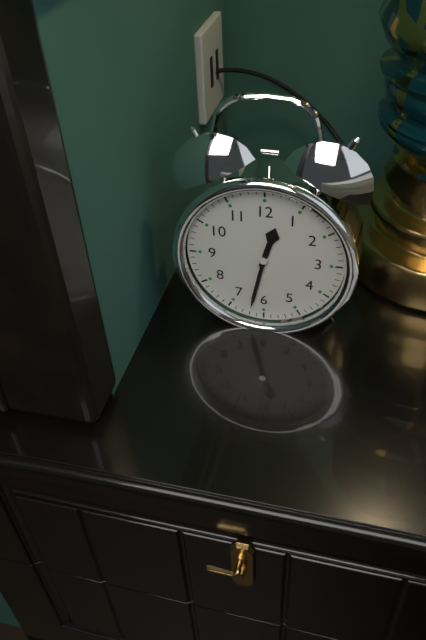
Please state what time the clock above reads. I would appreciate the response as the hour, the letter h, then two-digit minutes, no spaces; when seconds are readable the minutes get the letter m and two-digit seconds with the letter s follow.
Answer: 12h32
